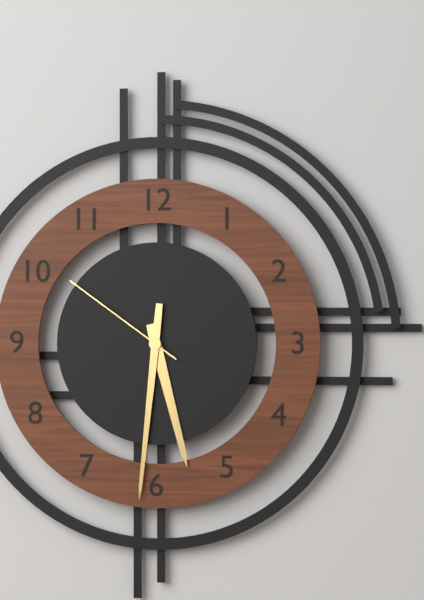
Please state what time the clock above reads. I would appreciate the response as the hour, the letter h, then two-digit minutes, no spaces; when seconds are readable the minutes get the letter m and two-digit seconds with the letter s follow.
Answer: 5h31m51s
